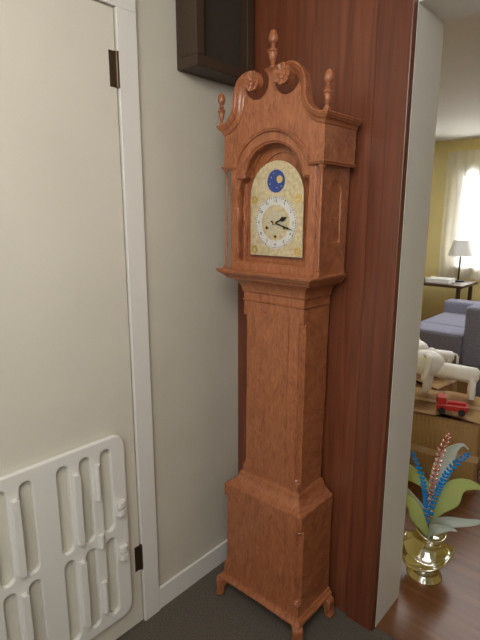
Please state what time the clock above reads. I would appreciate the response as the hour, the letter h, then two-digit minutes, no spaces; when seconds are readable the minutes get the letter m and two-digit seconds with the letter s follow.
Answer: 2h18
